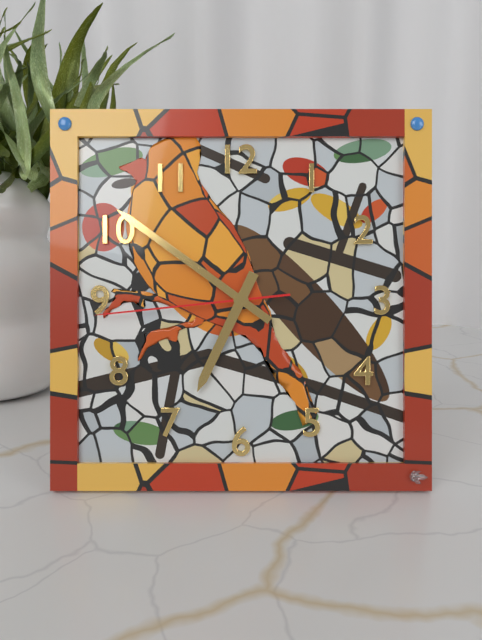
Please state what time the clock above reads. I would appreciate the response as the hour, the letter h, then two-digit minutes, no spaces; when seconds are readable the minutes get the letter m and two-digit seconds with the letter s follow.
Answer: 6h51m44s
